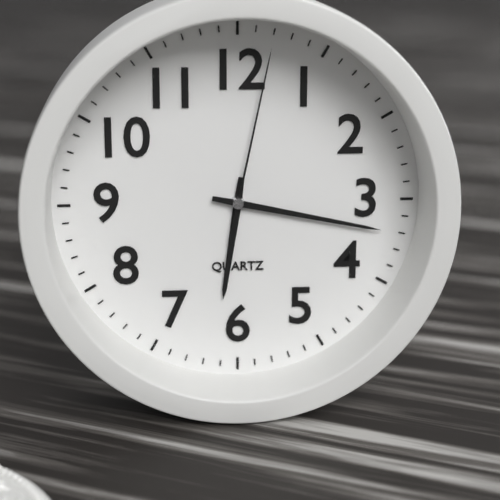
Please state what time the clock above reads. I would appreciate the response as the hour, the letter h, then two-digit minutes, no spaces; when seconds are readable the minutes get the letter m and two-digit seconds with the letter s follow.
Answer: 6h17m02s
